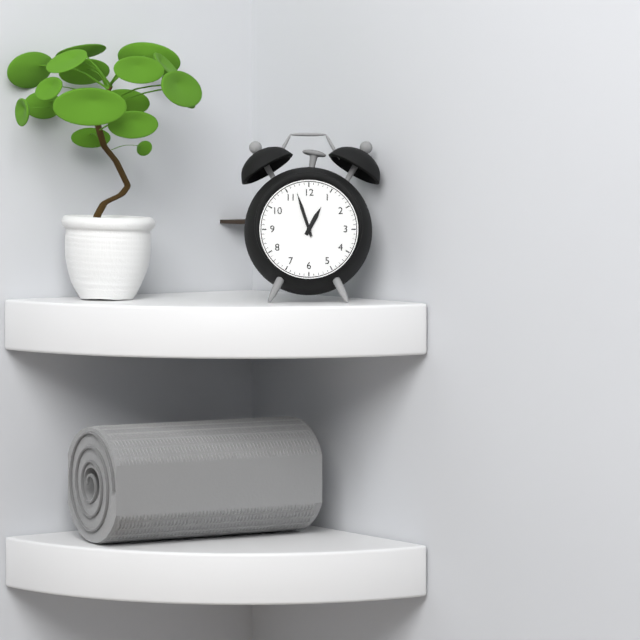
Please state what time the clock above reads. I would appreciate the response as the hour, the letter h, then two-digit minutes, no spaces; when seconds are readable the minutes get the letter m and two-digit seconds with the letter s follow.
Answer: 12h57
